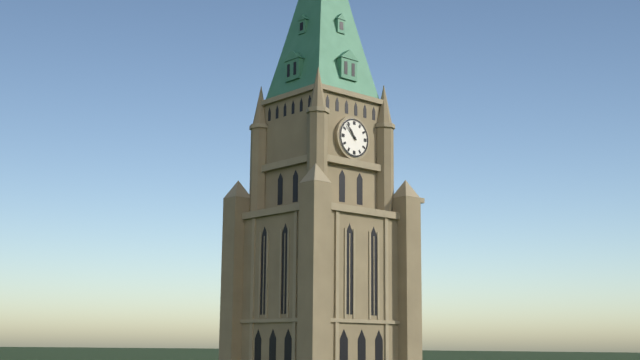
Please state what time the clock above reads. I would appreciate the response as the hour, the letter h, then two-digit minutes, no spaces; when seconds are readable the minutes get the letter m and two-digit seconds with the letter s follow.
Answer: 10h53
